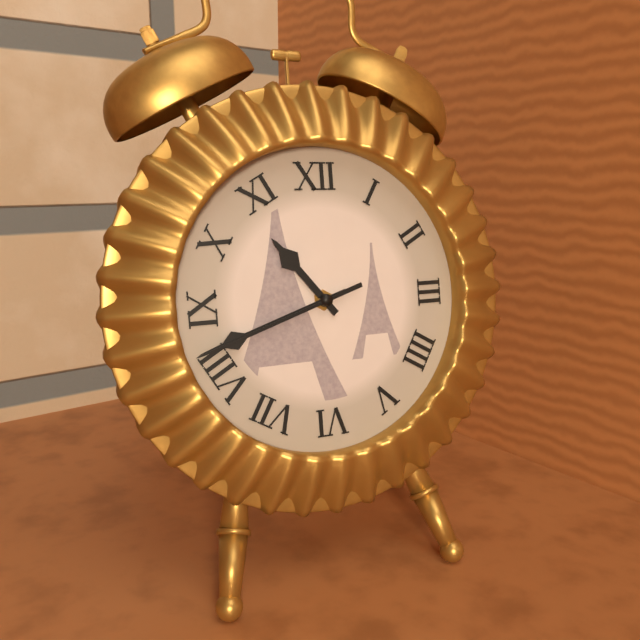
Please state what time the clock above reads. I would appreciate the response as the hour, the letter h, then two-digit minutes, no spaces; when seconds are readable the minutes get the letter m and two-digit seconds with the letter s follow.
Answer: 10h42m42s
